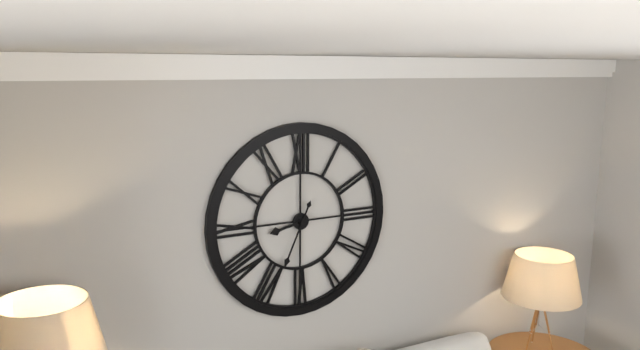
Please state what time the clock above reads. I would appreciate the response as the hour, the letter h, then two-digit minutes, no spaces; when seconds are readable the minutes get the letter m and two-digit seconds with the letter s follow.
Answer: 8h34
